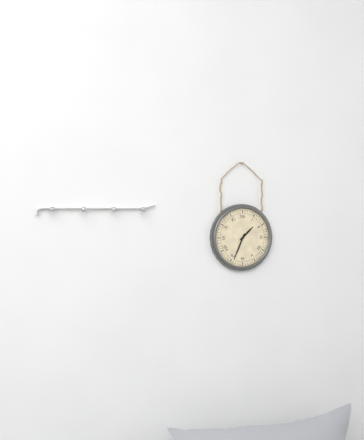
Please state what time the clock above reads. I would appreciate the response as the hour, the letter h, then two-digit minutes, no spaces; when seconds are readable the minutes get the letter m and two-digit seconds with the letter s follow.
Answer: 1h34
